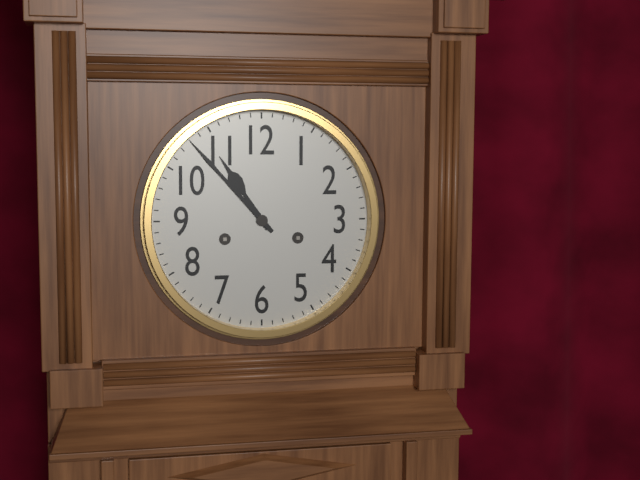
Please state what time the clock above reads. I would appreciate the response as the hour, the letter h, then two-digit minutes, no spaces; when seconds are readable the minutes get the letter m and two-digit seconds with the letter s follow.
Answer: 10h53
